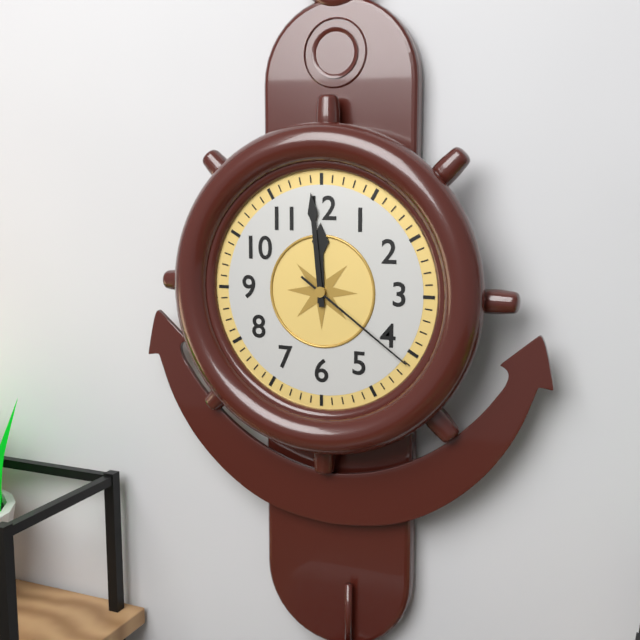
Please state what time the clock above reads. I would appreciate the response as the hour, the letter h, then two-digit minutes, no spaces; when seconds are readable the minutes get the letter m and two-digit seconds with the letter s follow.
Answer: 11h59m21s
